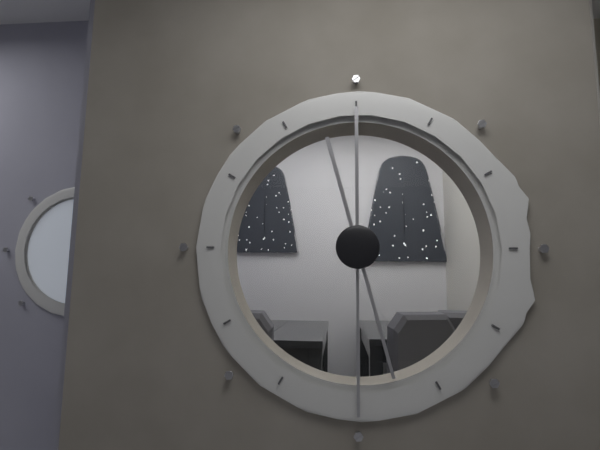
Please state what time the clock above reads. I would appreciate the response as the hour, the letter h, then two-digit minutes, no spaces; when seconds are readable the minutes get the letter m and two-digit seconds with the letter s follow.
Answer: 5h30
